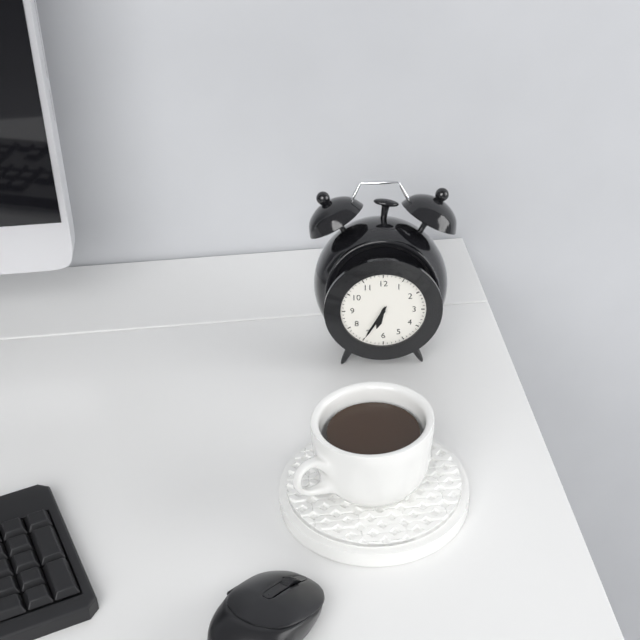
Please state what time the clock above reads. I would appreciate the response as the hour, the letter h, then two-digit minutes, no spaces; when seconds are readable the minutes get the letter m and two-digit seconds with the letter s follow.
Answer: 6h35
